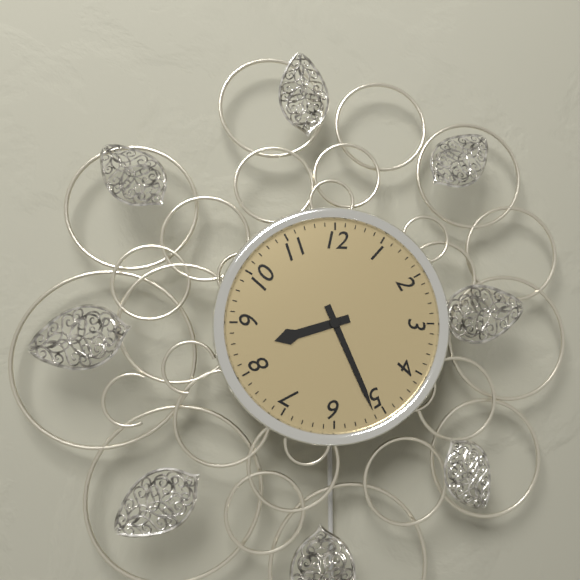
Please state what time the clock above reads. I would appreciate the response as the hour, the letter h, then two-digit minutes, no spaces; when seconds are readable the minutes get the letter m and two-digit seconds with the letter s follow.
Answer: 8h26
